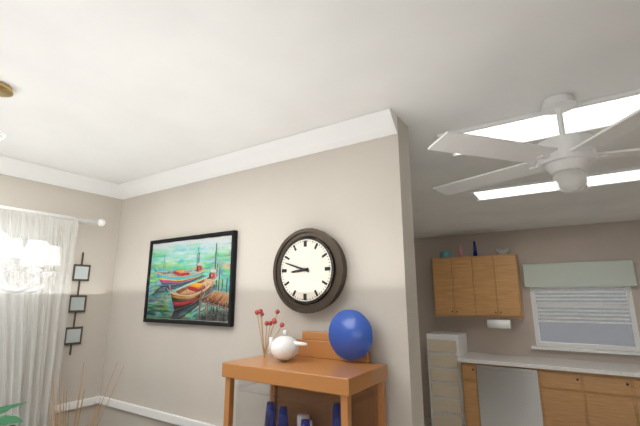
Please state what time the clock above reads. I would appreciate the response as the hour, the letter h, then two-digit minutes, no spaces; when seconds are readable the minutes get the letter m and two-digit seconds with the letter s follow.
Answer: 8h48
